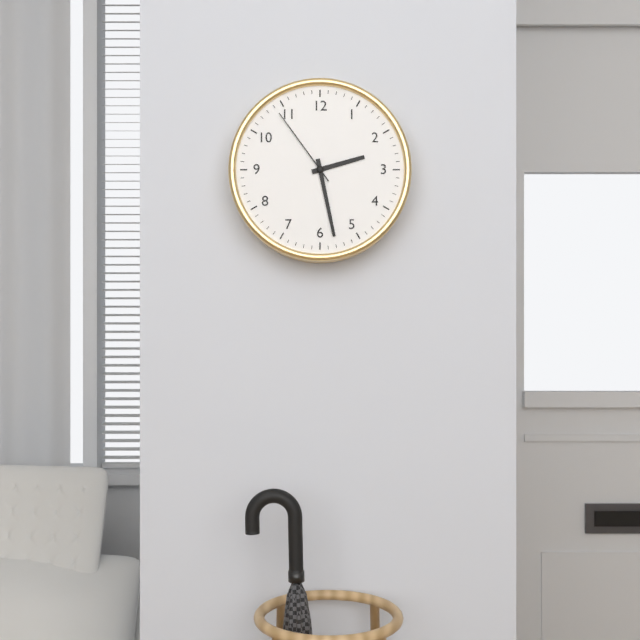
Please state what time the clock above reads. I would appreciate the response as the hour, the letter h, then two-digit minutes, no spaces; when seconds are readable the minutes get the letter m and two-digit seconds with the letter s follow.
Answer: 2h28m54s
